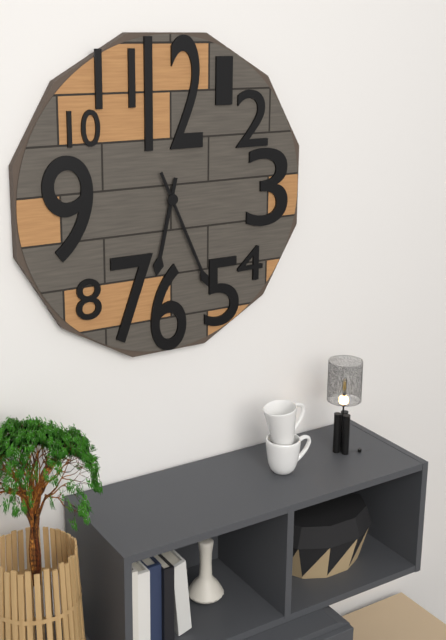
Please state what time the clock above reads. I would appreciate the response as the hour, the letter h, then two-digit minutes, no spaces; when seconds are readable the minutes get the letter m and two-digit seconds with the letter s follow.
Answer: 6h26
